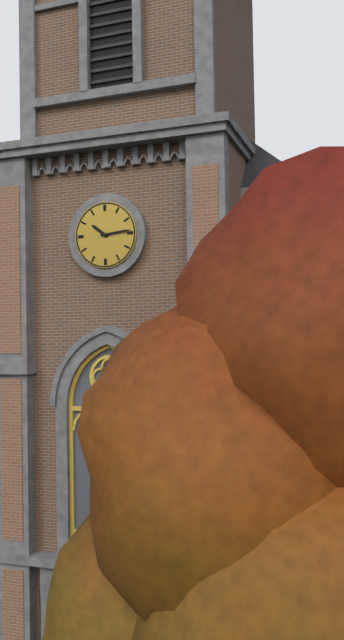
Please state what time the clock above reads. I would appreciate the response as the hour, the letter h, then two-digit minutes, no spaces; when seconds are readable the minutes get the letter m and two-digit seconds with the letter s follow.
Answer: 10h14
